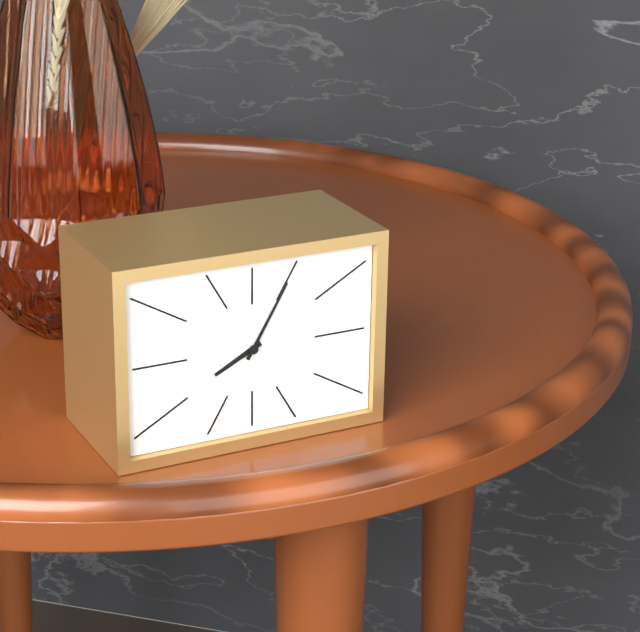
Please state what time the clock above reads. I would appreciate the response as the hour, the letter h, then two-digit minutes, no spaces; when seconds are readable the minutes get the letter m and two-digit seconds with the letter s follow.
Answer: 8h05
